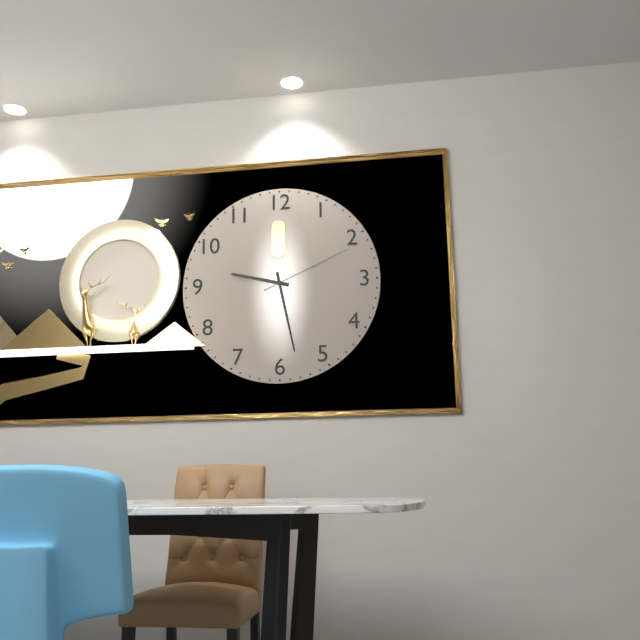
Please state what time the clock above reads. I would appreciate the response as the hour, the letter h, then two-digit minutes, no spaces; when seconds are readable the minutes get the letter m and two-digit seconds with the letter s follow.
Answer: 9h28m11s
